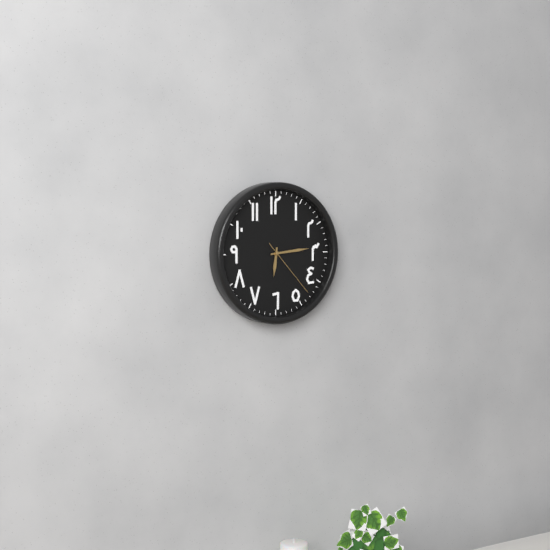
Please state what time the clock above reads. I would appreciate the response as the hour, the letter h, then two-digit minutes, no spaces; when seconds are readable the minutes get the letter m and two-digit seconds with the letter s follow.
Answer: 6h14m23s
